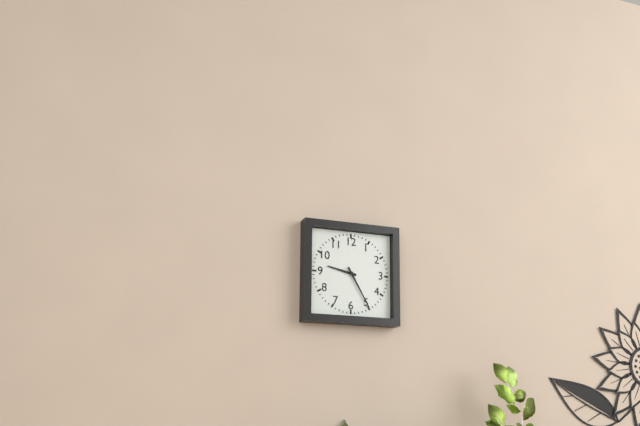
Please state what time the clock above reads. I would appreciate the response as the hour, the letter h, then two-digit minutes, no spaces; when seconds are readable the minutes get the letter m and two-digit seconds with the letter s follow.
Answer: 9h25
